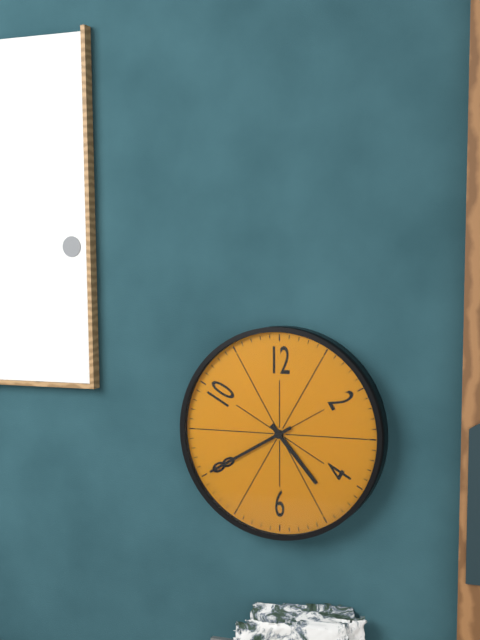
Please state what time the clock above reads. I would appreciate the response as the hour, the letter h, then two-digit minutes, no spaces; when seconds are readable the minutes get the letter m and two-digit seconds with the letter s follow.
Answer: 4h40
